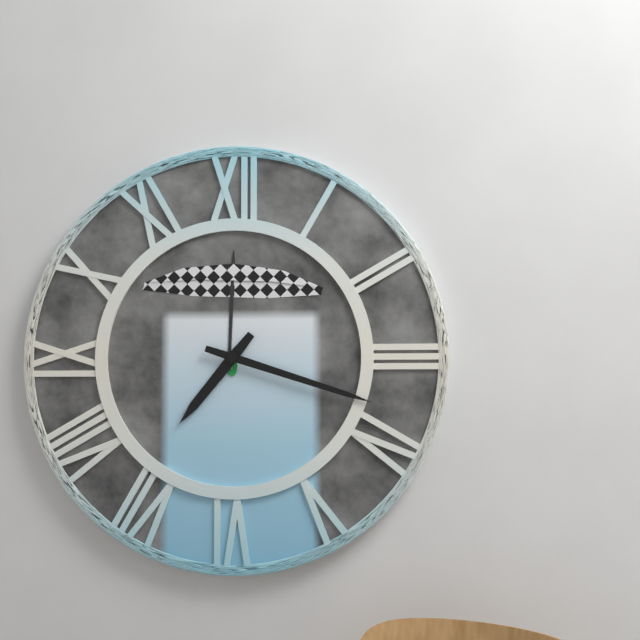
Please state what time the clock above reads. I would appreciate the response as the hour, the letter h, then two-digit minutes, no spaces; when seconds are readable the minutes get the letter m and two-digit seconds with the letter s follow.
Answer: 7h18
